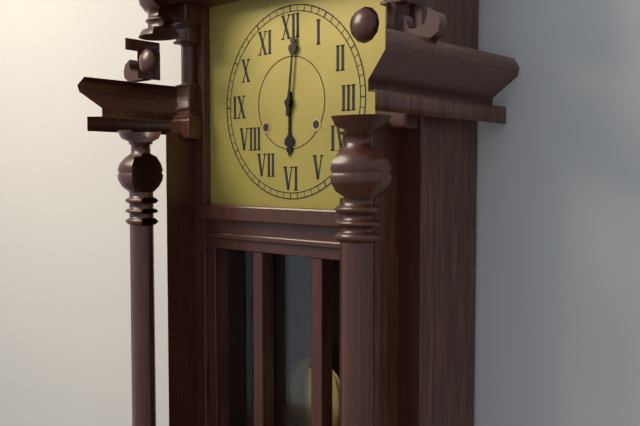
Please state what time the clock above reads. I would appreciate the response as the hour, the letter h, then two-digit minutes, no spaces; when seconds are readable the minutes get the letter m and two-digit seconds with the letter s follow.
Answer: 6h01
